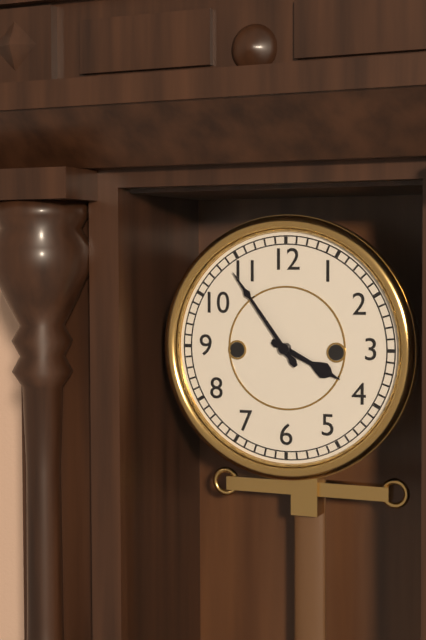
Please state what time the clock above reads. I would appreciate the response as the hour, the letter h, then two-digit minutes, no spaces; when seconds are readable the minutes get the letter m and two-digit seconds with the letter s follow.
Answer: 3h54
